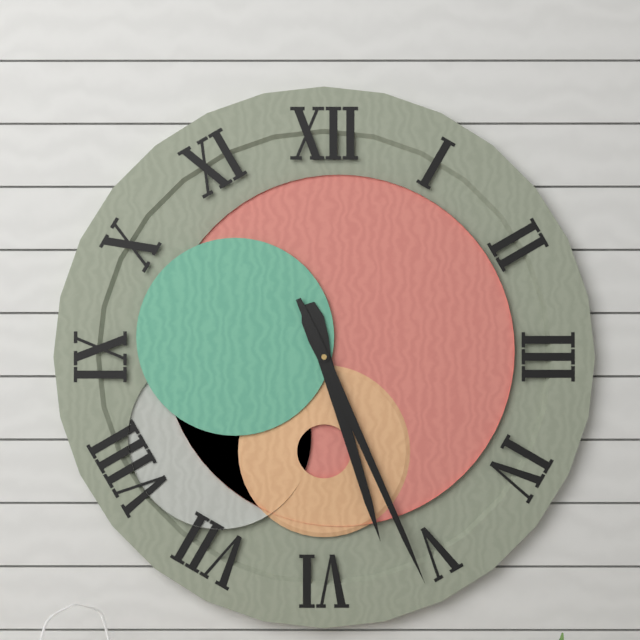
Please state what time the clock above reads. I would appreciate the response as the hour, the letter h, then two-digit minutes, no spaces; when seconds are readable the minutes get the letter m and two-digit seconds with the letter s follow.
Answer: 5h26
